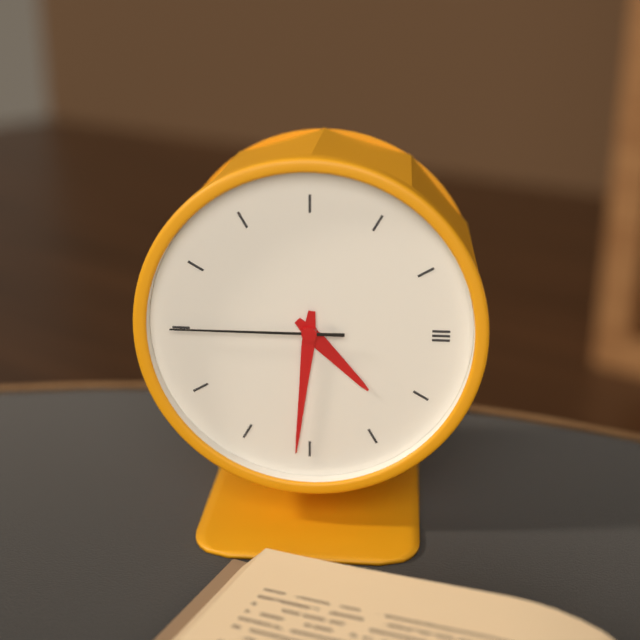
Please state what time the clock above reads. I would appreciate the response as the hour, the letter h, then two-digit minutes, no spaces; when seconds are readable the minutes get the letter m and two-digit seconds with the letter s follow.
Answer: 4h31m45s
